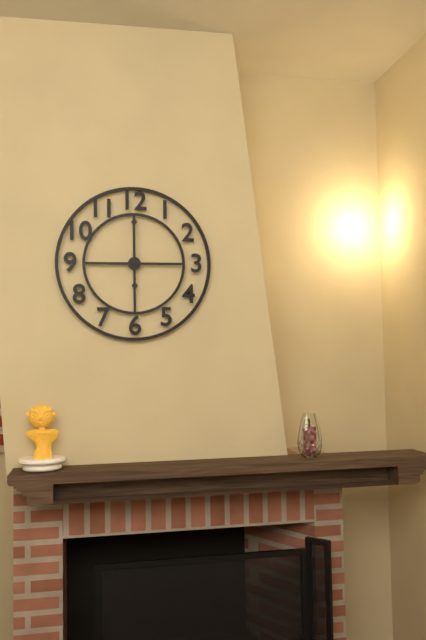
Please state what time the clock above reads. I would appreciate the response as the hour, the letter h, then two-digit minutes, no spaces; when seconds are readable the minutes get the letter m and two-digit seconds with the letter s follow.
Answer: 6h00
